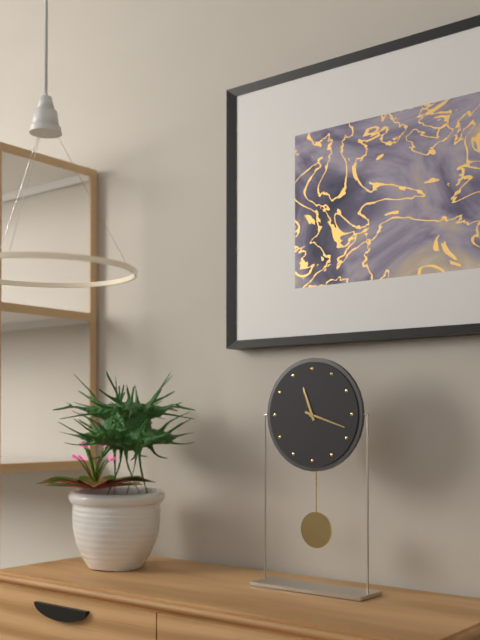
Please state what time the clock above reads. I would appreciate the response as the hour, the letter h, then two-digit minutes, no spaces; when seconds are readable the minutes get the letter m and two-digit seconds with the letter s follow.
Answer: 11h18
